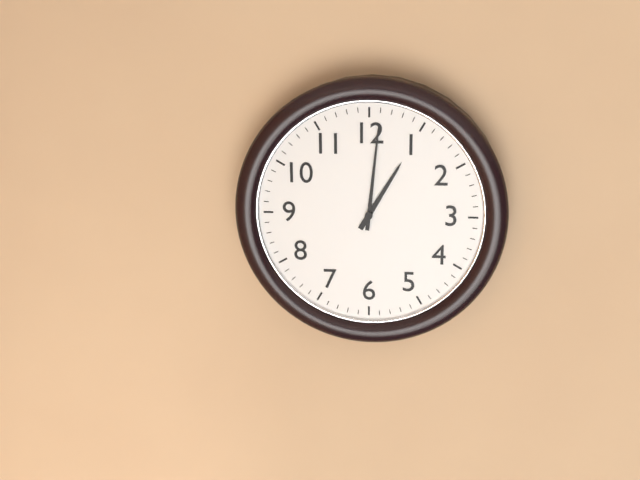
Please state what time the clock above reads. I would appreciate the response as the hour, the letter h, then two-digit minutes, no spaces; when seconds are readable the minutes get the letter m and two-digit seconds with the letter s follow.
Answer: 1h01
